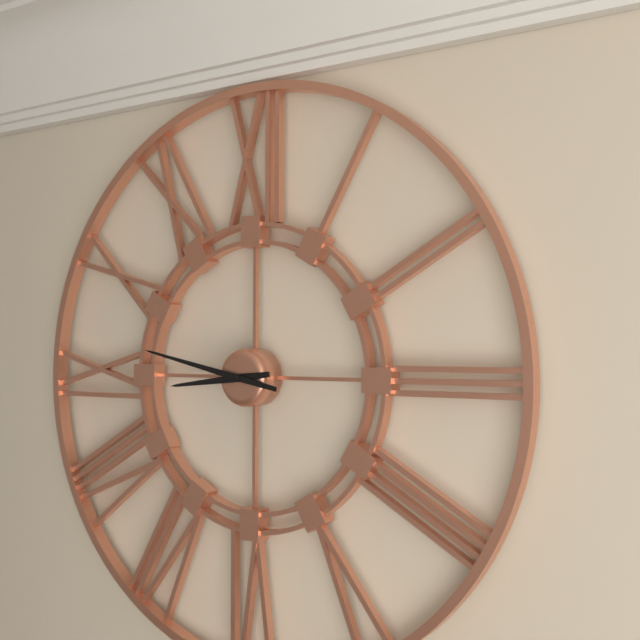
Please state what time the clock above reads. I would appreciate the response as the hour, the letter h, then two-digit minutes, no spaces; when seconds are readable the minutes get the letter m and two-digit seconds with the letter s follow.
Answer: 8h47
